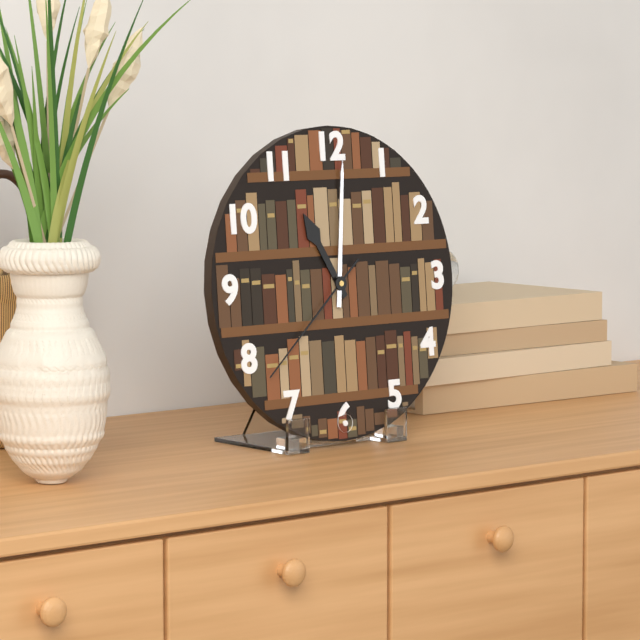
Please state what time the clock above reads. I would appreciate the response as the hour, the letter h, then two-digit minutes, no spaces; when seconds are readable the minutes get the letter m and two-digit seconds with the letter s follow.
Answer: 11h01m38s
